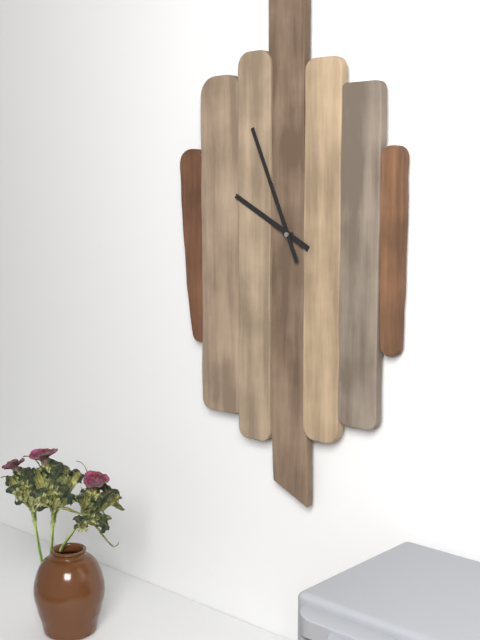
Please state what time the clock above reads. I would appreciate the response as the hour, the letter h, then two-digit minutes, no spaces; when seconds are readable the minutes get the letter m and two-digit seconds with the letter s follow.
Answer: 9h56
